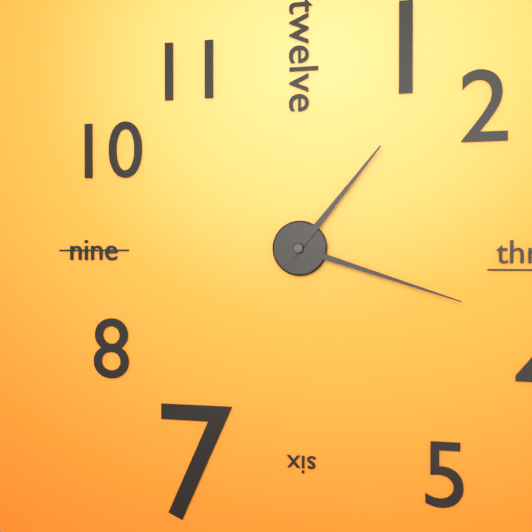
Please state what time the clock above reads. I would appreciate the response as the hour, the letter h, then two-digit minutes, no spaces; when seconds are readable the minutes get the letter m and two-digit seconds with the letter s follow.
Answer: 1h18
